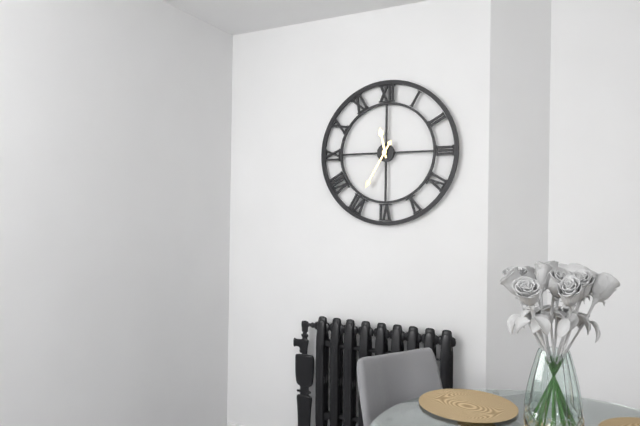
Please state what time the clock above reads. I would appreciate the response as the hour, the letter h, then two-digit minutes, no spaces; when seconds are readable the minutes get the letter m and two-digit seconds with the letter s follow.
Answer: 11h35
